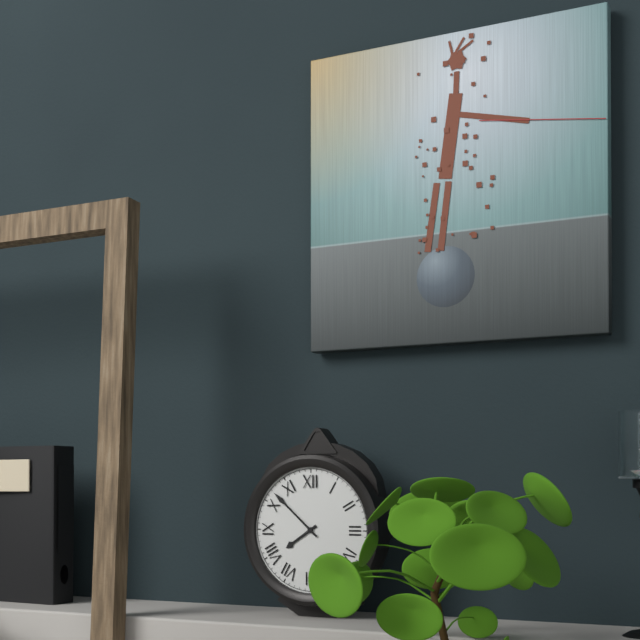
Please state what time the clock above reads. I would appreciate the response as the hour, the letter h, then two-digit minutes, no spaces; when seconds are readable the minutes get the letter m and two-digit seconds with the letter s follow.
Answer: 7h52
